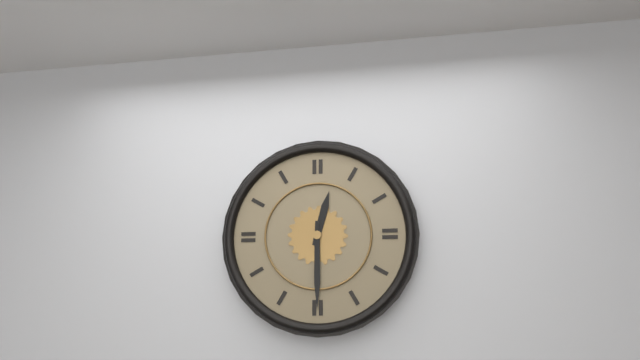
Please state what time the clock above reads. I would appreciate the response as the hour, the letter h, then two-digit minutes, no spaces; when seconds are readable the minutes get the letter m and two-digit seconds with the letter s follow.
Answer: 12h30
